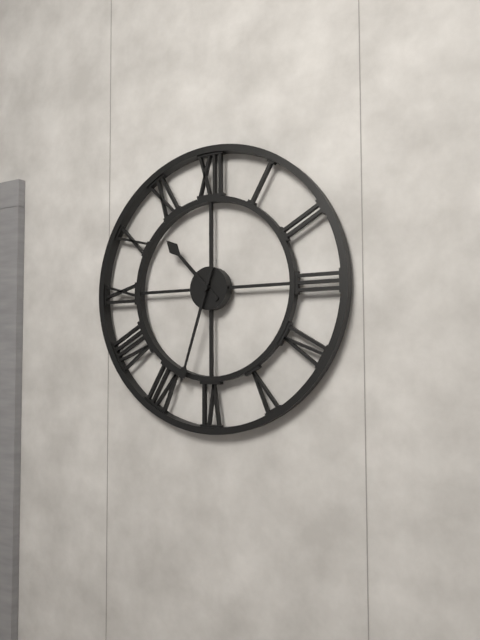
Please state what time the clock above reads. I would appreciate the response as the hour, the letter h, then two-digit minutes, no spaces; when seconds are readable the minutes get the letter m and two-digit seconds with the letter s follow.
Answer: 10h33
